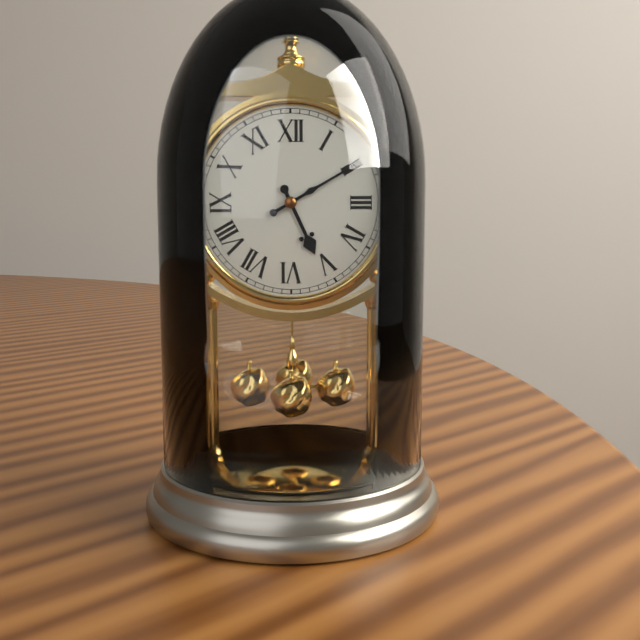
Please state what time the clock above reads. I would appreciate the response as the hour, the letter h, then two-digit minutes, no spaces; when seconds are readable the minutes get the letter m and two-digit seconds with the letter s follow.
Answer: 5h10
